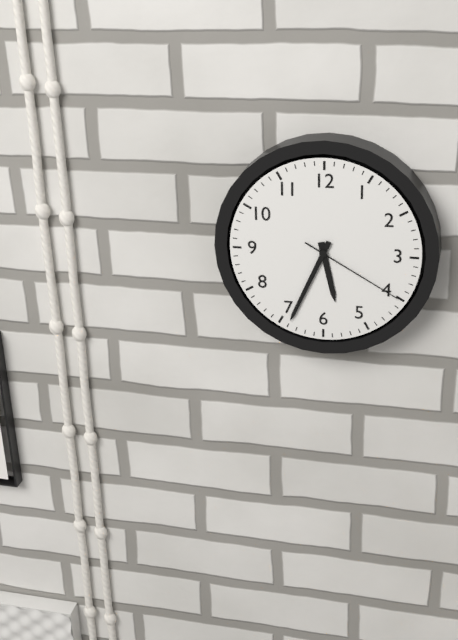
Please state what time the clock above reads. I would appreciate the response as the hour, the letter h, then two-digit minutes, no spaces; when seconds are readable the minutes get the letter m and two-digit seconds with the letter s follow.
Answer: 5h34m20s
